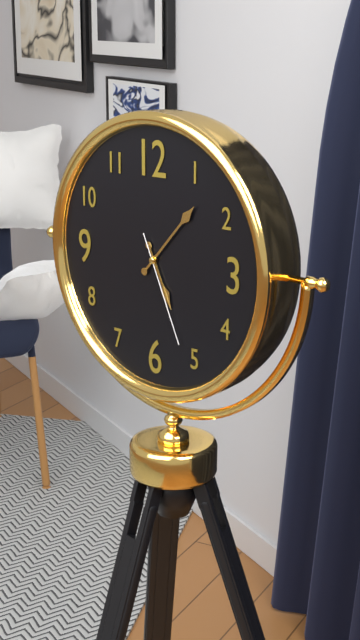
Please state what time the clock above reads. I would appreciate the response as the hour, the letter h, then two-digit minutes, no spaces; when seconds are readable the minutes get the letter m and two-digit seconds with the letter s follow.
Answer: 5h07m26s
